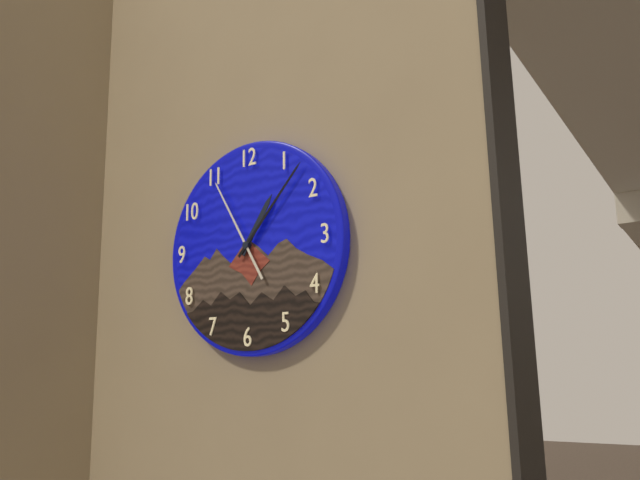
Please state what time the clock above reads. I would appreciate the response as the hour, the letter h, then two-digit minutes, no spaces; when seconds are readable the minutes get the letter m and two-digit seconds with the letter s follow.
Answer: 1h07m55s
